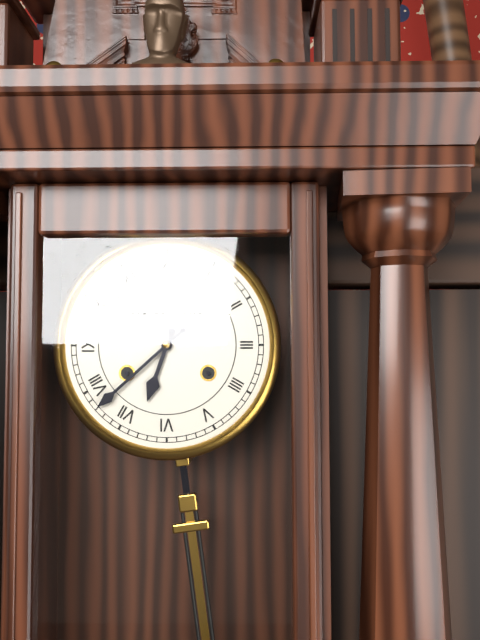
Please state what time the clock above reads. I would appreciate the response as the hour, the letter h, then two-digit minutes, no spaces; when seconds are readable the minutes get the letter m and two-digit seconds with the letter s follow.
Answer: 6h38
